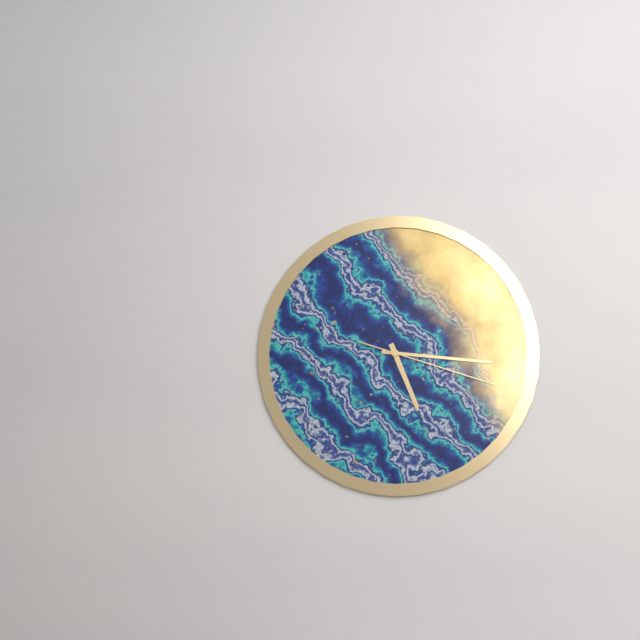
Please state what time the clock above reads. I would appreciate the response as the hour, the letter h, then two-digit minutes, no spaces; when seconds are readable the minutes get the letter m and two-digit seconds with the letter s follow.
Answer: 5h16m18s
